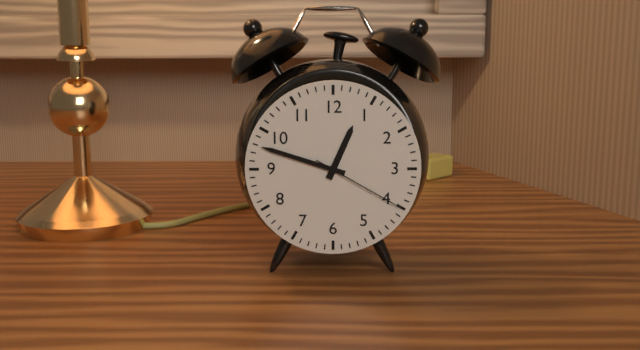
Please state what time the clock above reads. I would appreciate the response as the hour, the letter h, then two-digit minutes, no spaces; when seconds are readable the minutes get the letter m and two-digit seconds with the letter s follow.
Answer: 12h48m20s
